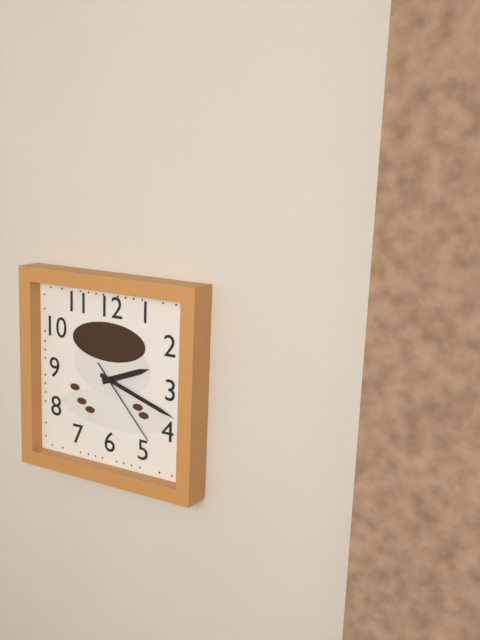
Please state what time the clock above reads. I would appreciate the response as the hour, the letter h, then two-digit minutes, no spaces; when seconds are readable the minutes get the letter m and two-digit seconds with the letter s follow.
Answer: 2h18m23s
